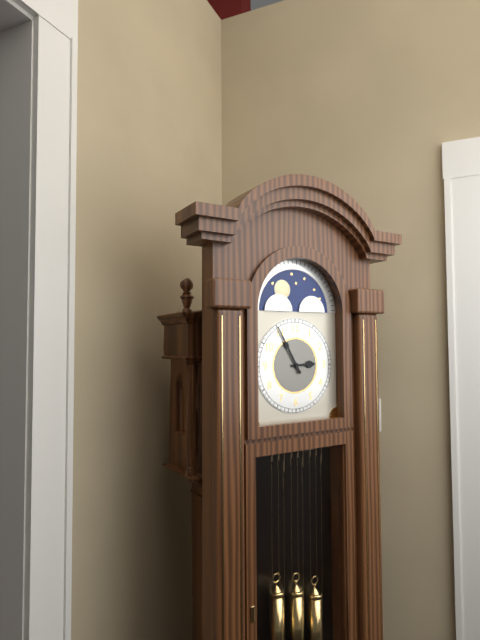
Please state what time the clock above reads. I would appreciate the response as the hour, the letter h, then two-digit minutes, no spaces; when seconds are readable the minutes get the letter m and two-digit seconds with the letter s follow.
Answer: 2h55
